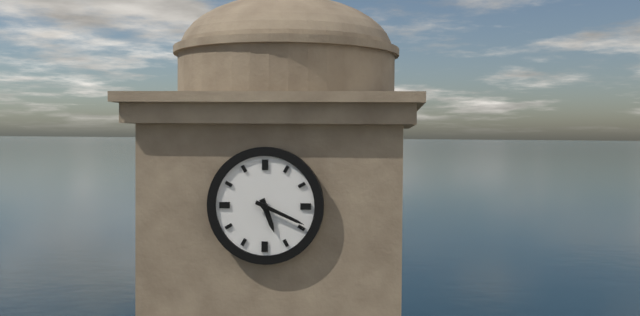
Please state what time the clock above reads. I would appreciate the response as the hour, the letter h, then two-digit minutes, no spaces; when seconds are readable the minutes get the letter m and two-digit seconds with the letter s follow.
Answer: 5h19
